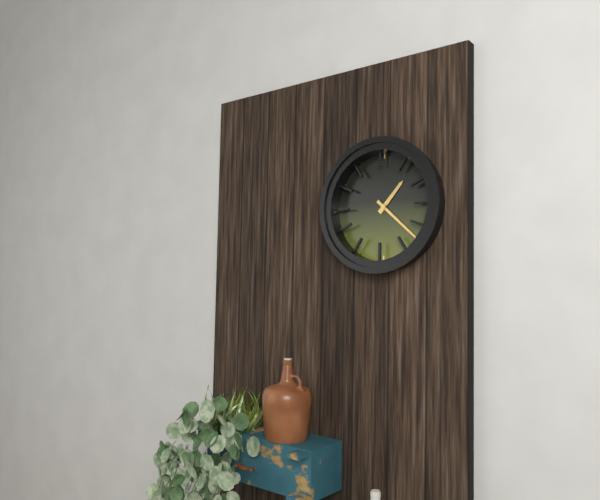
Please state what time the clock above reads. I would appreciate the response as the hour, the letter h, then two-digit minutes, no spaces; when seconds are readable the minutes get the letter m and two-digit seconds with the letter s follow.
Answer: 1h22
